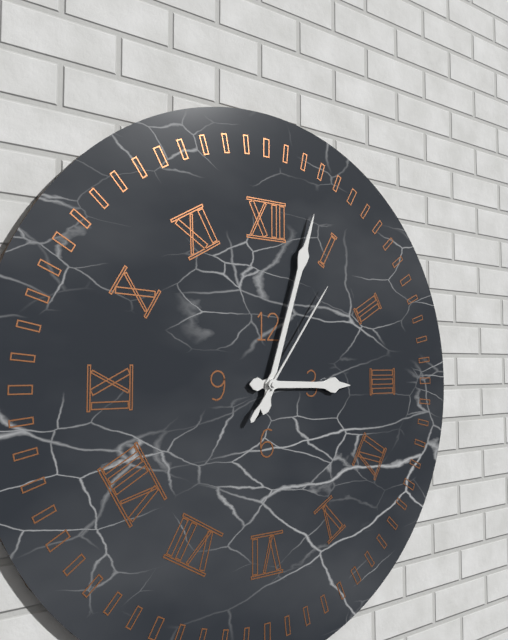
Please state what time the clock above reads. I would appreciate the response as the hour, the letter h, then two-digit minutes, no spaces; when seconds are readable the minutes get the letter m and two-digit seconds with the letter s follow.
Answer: 3h03m06s
